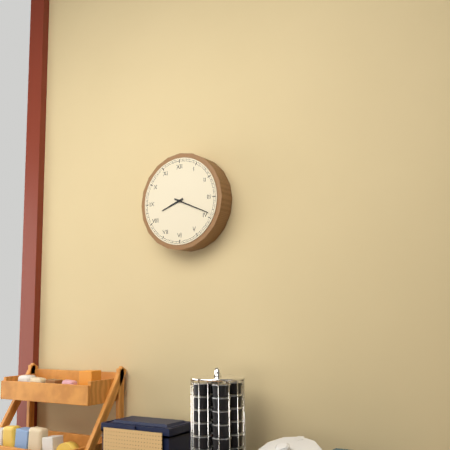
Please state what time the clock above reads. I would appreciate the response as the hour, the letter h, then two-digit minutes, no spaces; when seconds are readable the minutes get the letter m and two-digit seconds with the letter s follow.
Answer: 8h19
